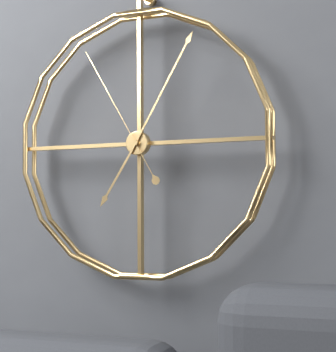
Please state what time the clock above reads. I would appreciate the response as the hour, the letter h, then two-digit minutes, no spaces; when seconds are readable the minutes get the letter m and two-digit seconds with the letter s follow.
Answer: 7h05m55s
